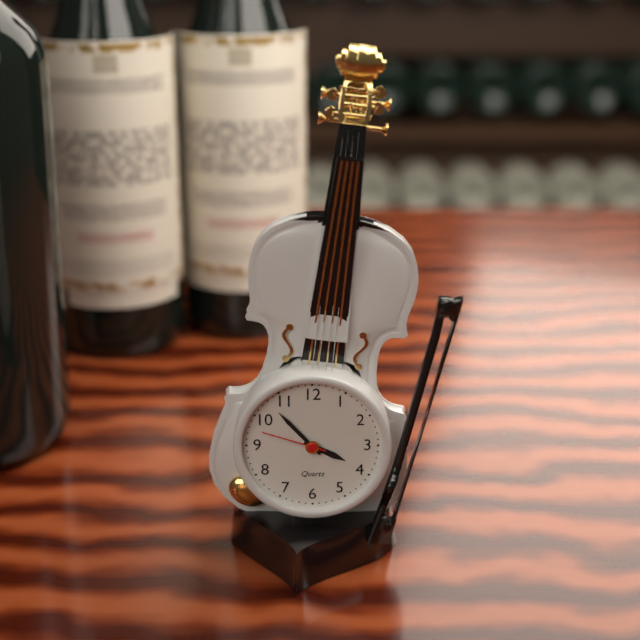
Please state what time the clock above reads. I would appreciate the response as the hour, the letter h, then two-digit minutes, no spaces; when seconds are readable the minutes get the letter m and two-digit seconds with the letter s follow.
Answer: 3h53m48s
